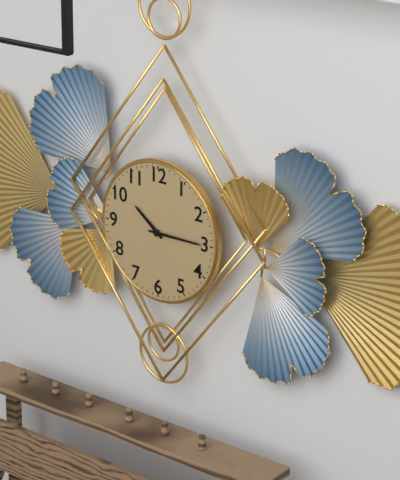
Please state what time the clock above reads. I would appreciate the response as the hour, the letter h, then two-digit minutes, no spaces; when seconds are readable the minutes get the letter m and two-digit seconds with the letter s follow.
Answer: 10h15
